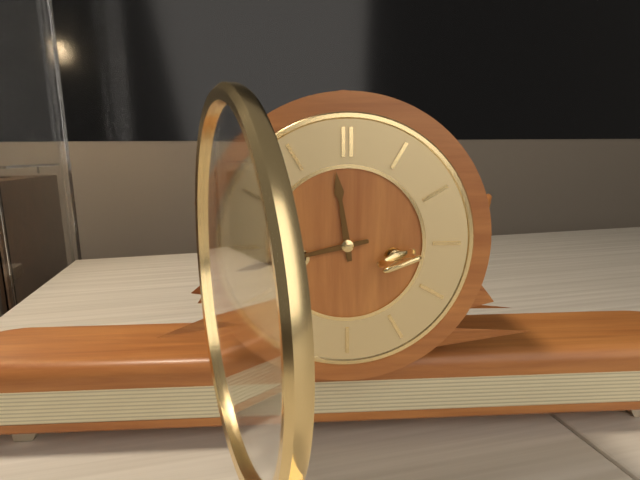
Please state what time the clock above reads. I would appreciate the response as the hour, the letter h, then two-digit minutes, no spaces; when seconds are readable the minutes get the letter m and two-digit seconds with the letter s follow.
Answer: 11h43
